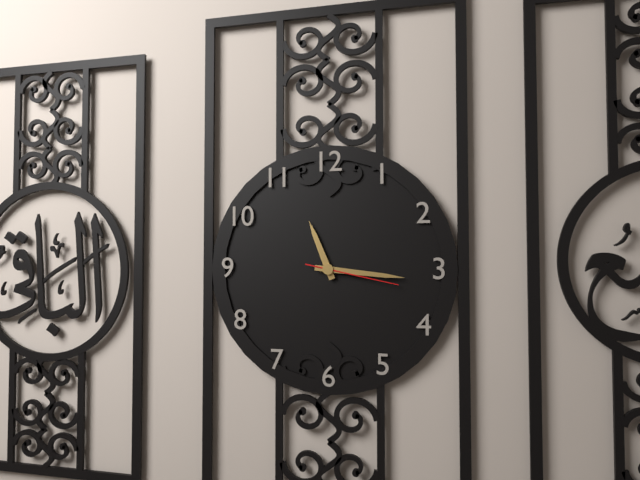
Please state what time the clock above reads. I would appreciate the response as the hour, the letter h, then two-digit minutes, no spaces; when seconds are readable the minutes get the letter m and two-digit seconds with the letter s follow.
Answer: 11h16m17s
